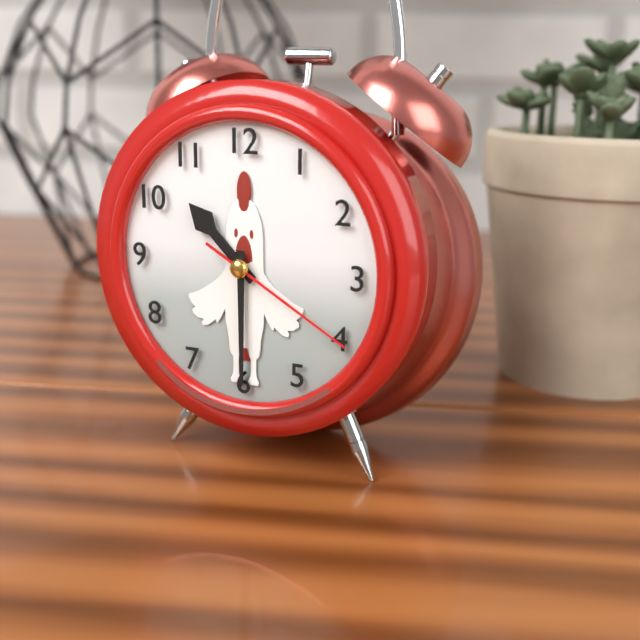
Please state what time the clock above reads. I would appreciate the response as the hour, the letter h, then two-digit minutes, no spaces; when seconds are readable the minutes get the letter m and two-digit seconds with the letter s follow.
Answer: 10h30m20s
